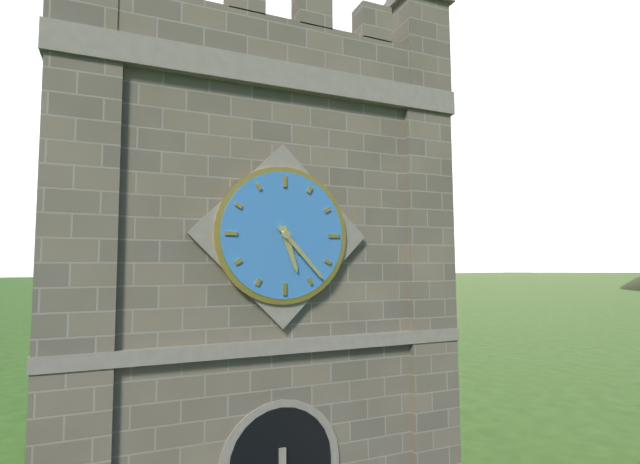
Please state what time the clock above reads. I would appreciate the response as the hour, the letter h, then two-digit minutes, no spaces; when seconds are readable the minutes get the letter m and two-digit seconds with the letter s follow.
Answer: 5h23
